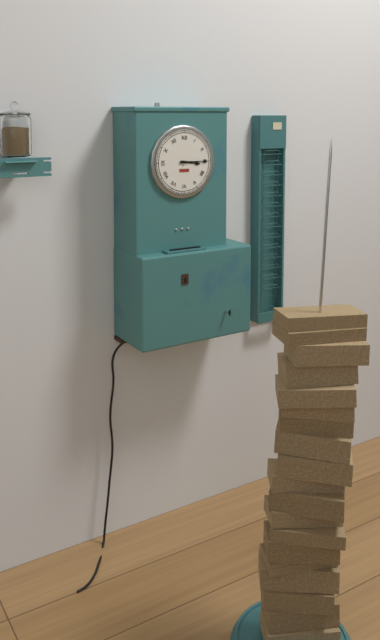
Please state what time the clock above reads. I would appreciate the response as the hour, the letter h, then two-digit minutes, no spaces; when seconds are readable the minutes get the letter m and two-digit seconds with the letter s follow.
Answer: 3h15
